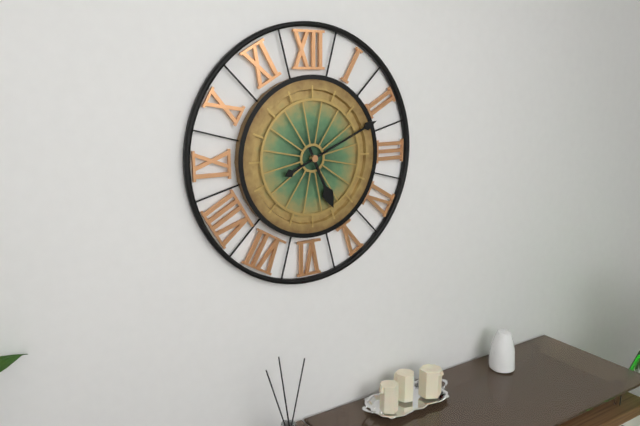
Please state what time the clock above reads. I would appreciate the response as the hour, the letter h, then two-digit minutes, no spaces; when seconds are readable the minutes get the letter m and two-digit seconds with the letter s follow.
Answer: 5h11
